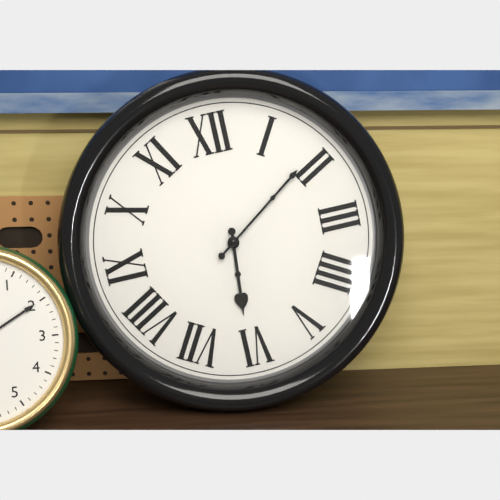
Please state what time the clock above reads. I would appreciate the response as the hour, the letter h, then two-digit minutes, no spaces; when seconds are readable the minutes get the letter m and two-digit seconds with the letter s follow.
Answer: 6h09
